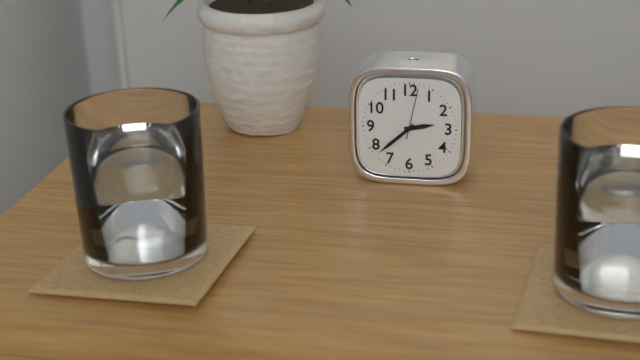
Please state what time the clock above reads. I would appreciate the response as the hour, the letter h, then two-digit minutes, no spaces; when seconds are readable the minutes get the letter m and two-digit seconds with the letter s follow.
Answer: 2h38m02s
